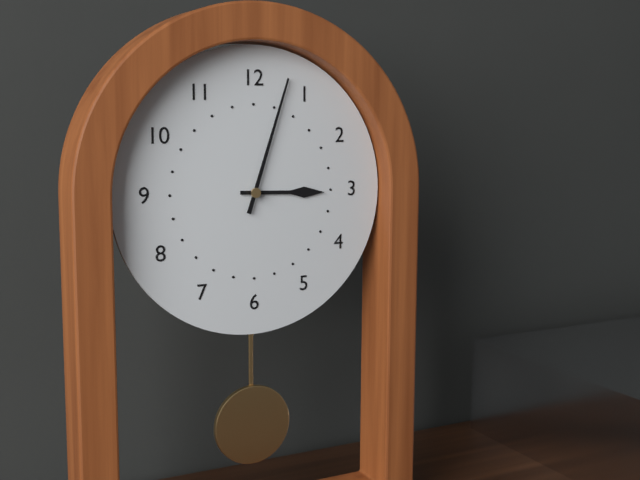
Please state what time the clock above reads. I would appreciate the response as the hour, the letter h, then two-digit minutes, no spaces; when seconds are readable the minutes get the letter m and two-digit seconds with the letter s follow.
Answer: 3h03
